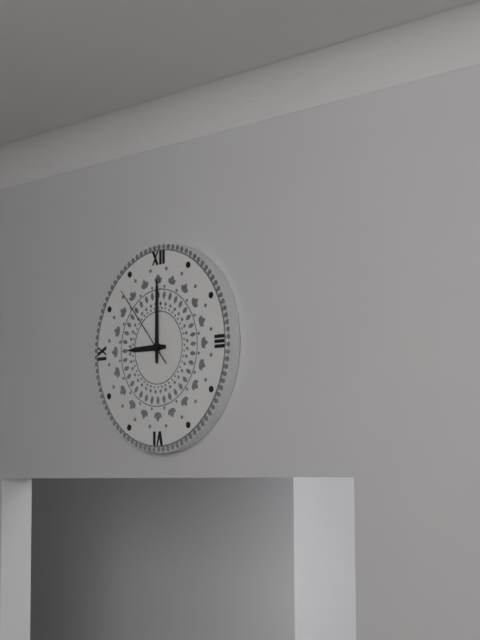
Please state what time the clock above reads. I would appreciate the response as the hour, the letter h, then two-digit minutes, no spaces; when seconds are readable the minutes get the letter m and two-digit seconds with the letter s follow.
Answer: 9h00m53s
